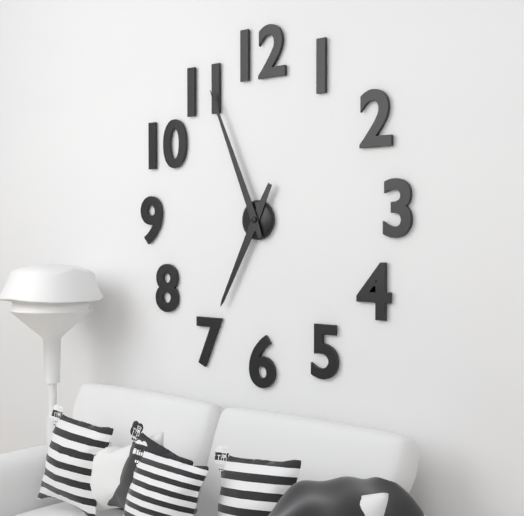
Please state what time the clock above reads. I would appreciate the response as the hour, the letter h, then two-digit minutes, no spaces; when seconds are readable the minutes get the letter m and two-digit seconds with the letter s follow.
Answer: 6h56
